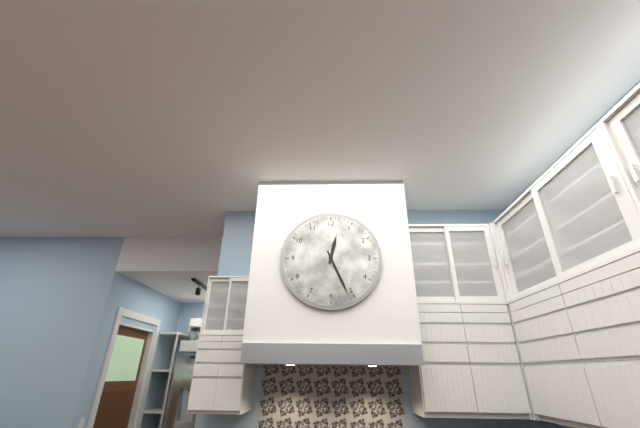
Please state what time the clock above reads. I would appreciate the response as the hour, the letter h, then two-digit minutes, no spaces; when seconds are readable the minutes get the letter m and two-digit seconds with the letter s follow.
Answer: 12h26
